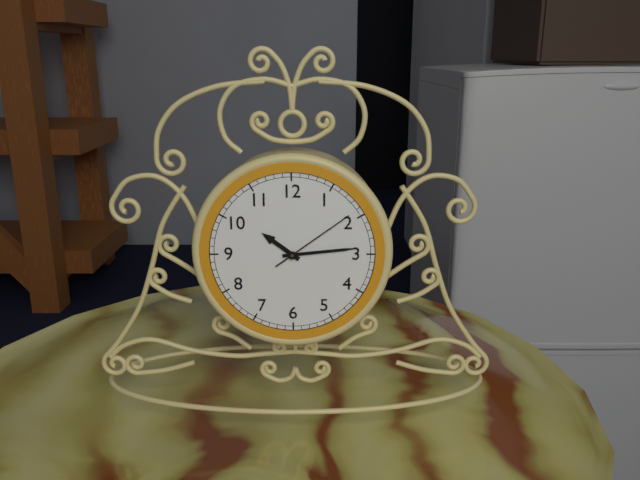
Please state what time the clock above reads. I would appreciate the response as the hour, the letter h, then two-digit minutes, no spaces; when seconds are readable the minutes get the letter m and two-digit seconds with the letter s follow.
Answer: 10h14m09s
